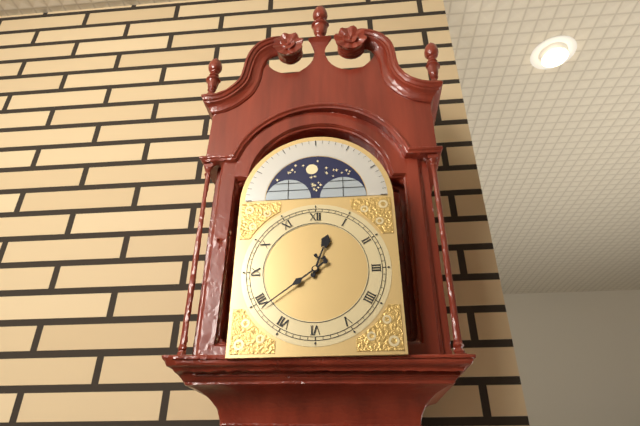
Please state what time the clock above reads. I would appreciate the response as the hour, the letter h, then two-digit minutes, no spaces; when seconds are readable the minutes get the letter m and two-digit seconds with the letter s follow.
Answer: 12h39
